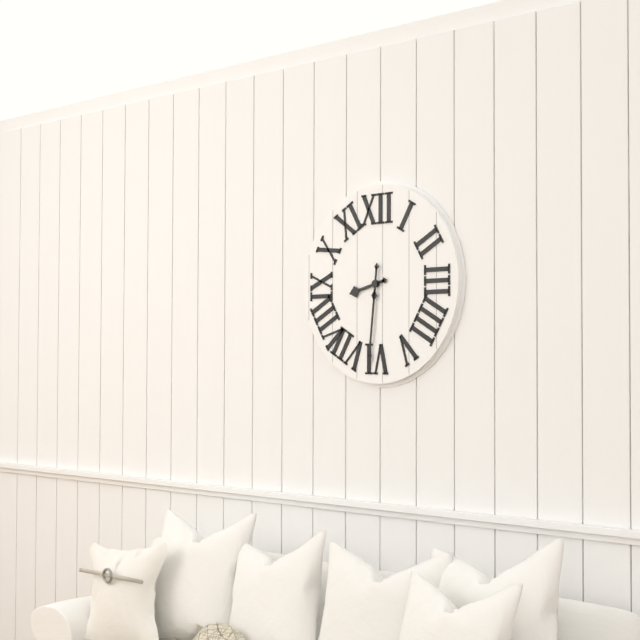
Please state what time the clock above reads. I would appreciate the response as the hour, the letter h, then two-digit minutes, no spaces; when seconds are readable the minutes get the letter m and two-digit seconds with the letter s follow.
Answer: 8h31
